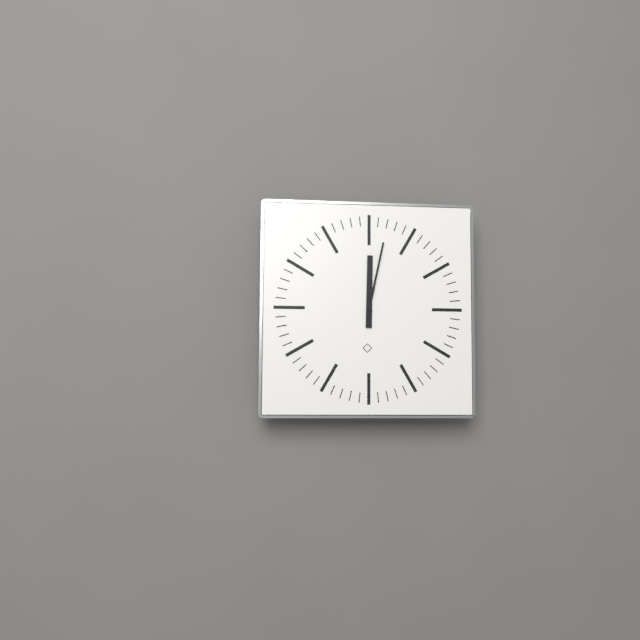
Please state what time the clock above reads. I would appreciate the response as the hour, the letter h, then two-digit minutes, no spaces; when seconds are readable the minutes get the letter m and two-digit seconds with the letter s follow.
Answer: 12h02
